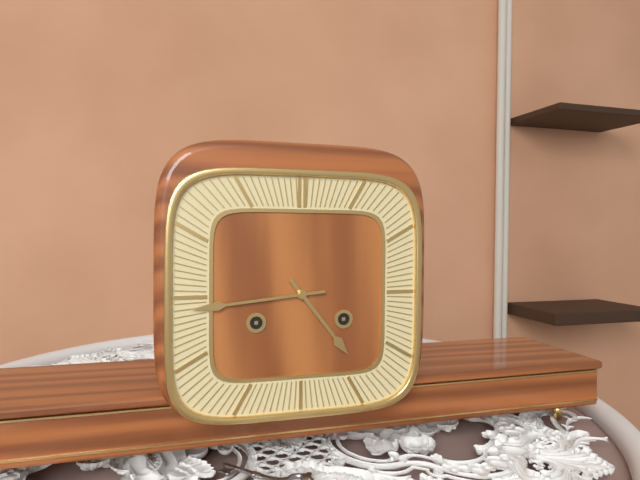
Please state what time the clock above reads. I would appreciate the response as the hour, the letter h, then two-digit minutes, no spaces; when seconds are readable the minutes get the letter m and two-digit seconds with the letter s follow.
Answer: 4h44
